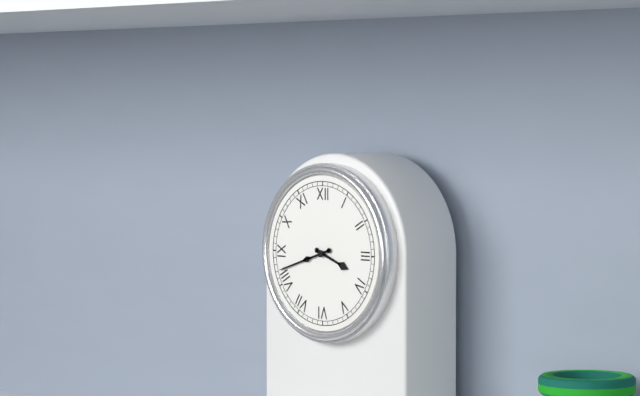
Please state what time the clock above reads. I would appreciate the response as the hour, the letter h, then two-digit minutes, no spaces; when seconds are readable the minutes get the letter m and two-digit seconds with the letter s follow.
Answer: 3h42
